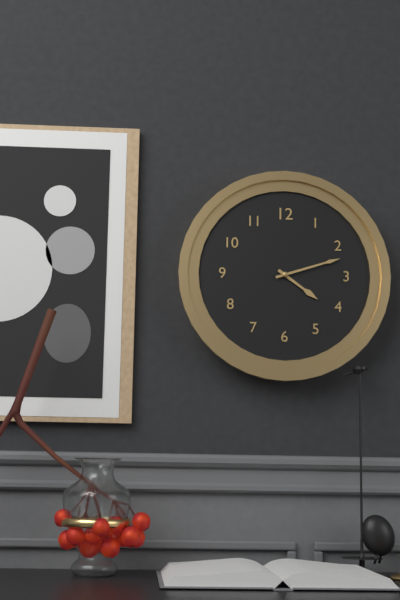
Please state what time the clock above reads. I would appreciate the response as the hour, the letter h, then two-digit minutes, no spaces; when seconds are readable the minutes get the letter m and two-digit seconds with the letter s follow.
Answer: 4h12
